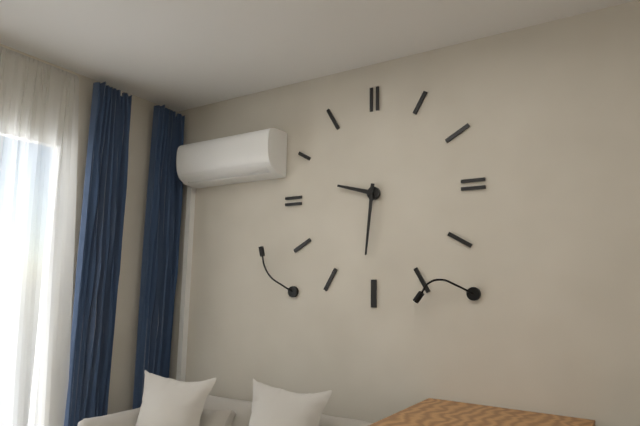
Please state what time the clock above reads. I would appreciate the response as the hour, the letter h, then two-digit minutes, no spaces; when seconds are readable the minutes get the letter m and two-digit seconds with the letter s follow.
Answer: 9h31
